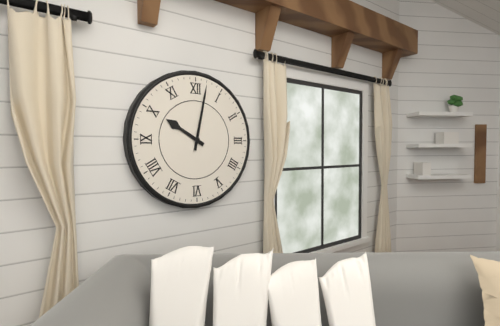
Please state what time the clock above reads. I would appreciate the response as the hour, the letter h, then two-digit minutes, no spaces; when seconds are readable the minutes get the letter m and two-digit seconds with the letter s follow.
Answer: 10h02
